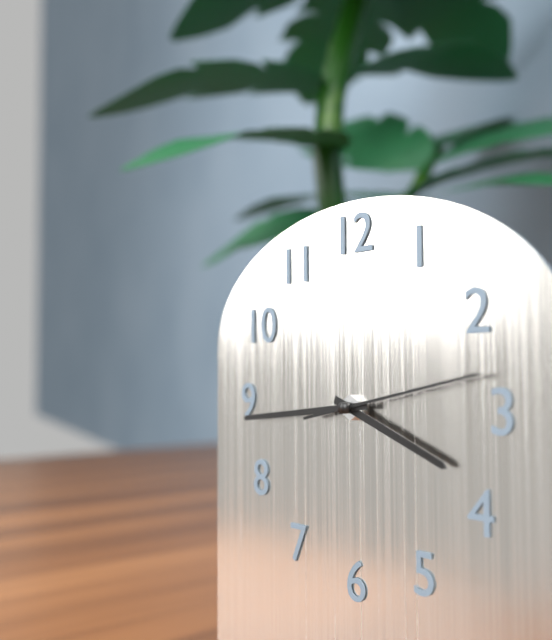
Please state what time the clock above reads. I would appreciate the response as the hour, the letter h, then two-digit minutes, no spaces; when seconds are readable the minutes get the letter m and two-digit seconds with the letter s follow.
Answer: 3h44m13s
